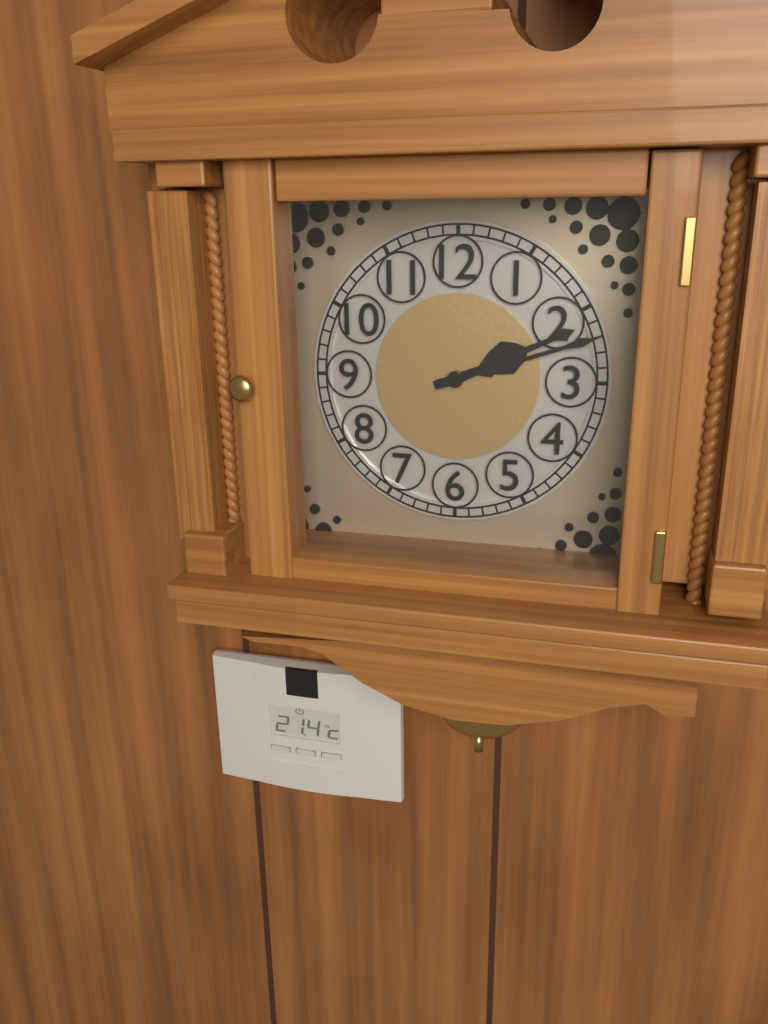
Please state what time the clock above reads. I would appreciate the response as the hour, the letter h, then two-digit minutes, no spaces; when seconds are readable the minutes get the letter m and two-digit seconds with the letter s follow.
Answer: 2h12
